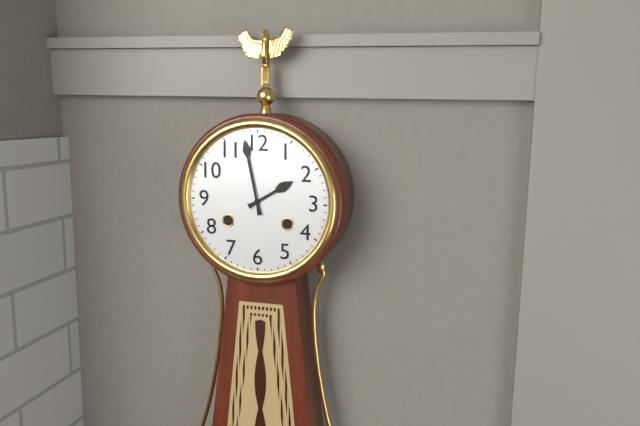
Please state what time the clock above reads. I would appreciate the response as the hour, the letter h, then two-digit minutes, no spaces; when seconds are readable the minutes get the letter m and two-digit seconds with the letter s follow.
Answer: 1h58
